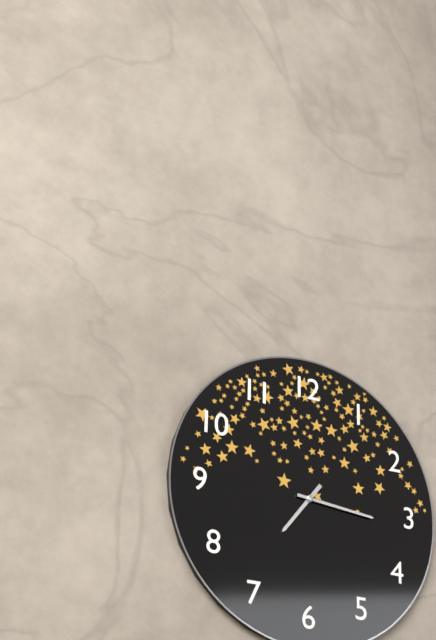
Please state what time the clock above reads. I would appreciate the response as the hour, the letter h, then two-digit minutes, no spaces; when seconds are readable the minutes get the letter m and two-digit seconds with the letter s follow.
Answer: 7h16
